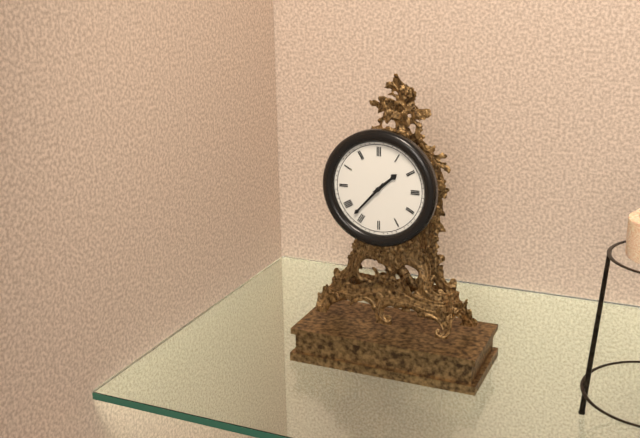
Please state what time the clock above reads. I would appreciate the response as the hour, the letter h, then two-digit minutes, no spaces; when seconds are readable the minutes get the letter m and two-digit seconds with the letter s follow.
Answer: 1h37
